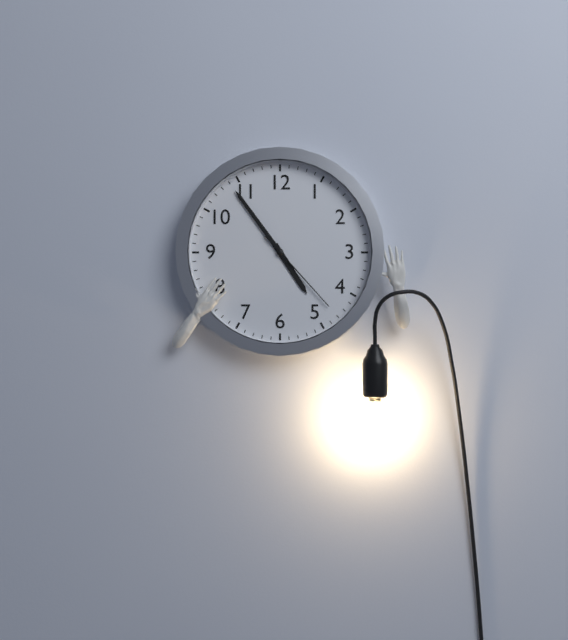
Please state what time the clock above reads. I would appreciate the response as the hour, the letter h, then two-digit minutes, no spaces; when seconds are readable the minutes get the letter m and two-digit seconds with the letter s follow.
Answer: 4h54m23s
